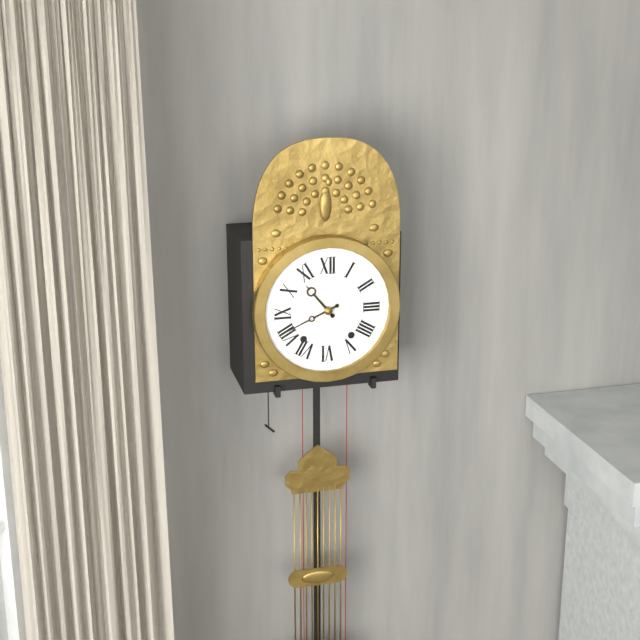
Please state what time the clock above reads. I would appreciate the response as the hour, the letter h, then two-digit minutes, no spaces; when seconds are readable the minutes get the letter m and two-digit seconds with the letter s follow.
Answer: 10h41
